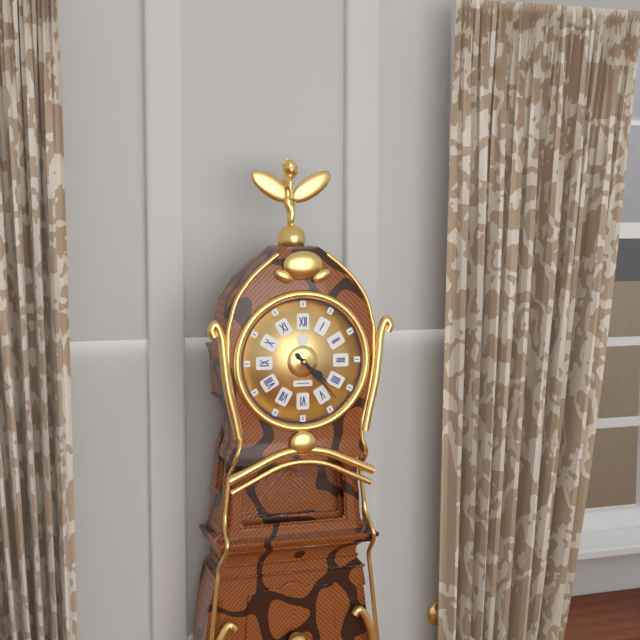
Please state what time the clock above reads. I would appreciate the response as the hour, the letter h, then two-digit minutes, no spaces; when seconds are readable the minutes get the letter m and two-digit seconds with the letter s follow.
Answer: 4h23
